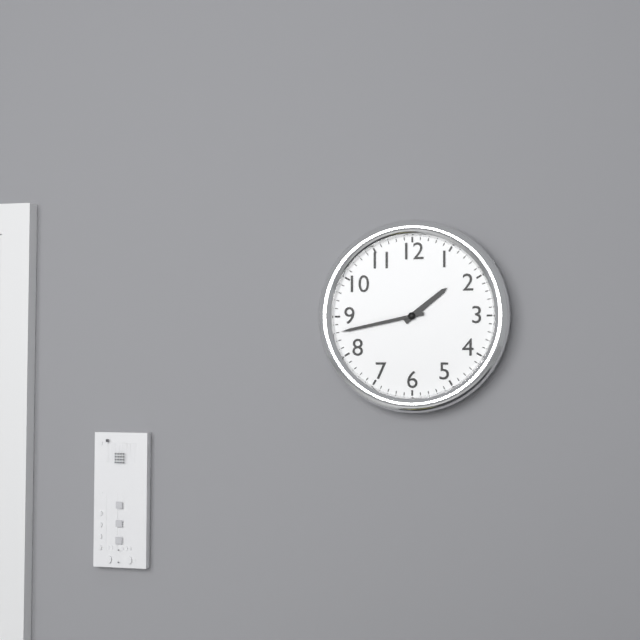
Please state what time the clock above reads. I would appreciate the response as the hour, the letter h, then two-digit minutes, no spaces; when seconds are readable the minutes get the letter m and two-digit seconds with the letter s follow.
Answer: 1h43
